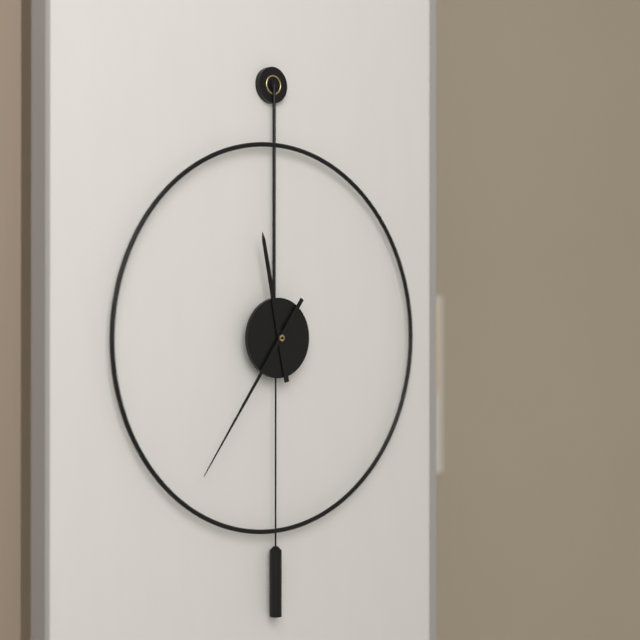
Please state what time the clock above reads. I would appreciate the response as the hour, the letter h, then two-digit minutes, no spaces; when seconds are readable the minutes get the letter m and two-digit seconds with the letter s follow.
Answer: 11h36
